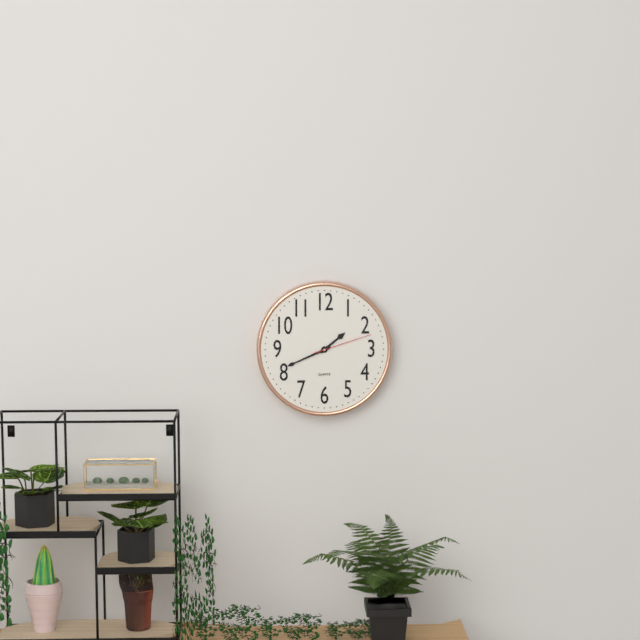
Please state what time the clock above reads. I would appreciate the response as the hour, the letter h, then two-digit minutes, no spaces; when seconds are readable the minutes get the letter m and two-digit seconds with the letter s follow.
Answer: 1h41m12s
